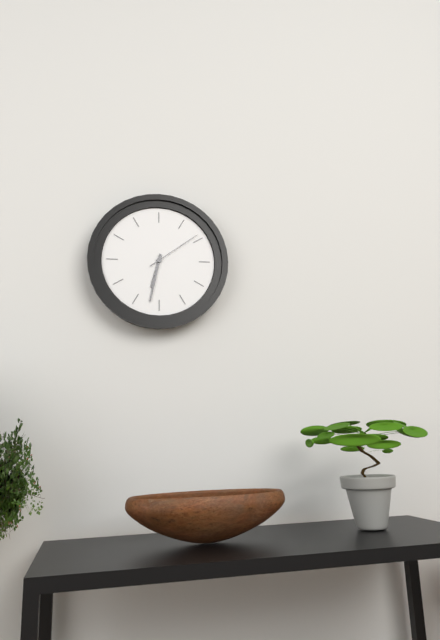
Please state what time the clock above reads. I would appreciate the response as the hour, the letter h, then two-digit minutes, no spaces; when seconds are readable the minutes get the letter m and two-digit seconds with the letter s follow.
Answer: 6h32m09s
